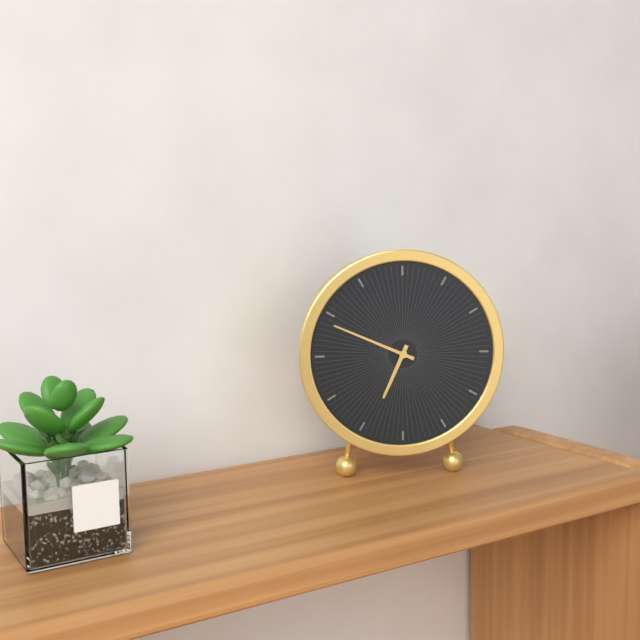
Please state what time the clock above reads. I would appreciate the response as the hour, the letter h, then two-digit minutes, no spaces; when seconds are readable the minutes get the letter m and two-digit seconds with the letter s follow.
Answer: 6h49
